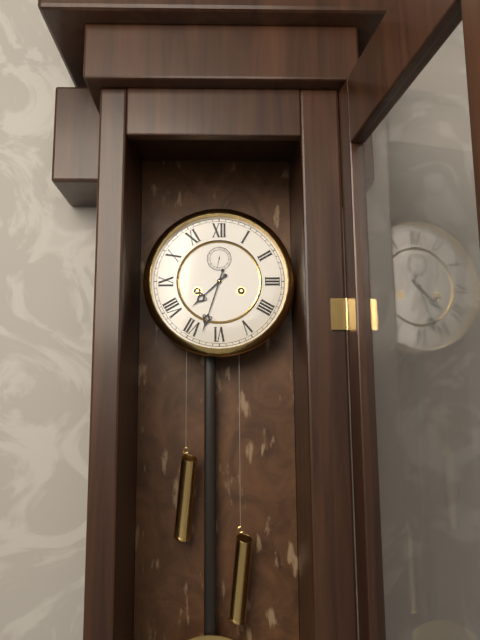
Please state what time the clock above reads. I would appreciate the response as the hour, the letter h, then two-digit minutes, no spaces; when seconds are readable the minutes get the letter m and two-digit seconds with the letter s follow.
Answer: 7h33
